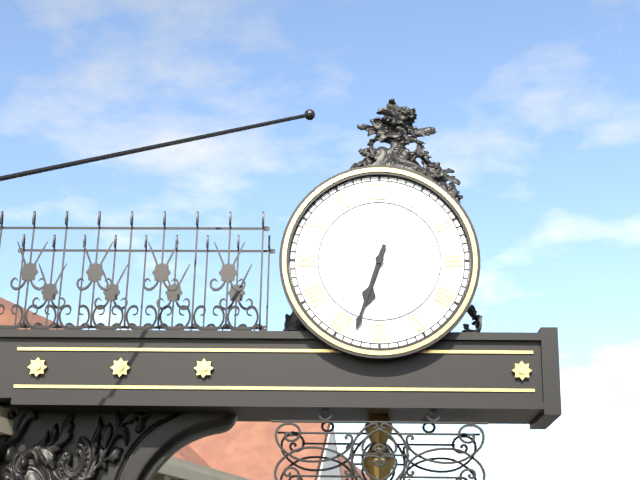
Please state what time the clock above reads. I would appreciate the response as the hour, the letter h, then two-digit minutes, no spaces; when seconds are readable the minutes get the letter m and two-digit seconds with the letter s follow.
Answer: 6h33
